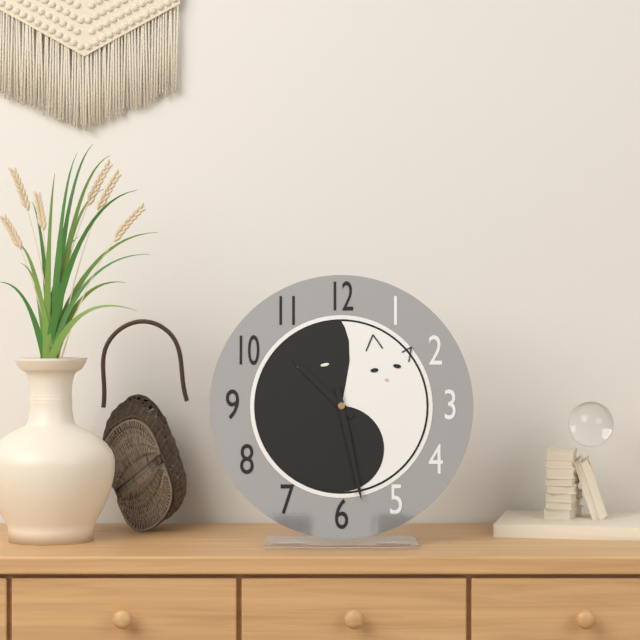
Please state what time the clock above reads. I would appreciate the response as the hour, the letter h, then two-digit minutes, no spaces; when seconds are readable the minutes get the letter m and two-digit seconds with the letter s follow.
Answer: 10h28
